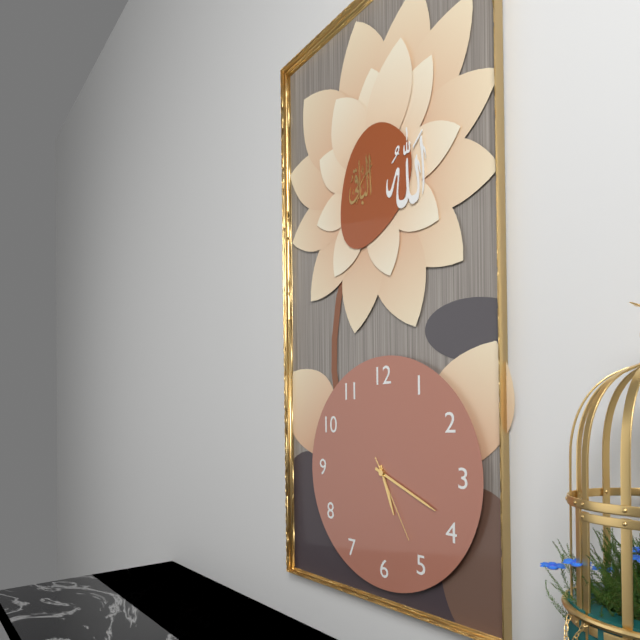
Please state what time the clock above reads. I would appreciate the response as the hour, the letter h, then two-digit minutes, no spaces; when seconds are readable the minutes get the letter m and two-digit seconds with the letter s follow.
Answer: 5h19m25s
